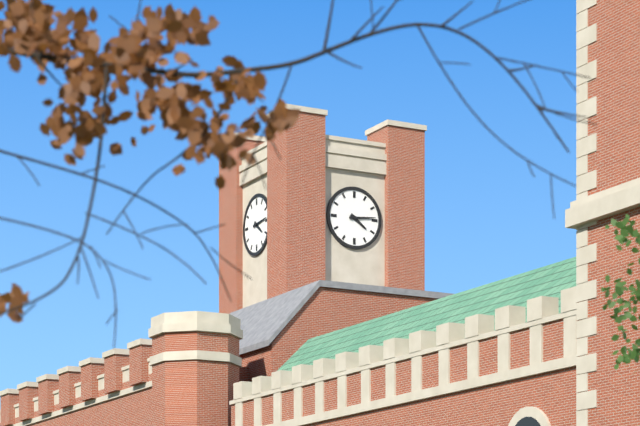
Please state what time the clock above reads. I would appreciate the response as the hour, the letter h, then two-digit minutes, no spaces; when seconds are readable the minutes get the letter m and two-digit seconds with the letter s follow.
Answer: 4h14
